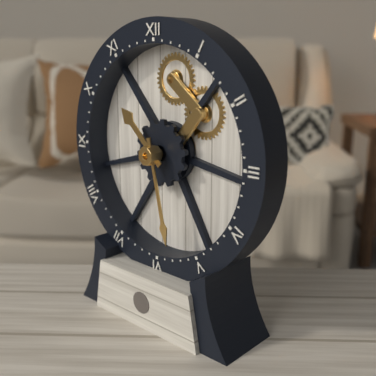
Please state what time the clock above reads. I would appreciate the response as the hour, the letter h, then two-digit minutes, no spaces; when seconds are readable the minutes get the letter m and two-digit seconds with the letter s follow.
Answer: 10h28
